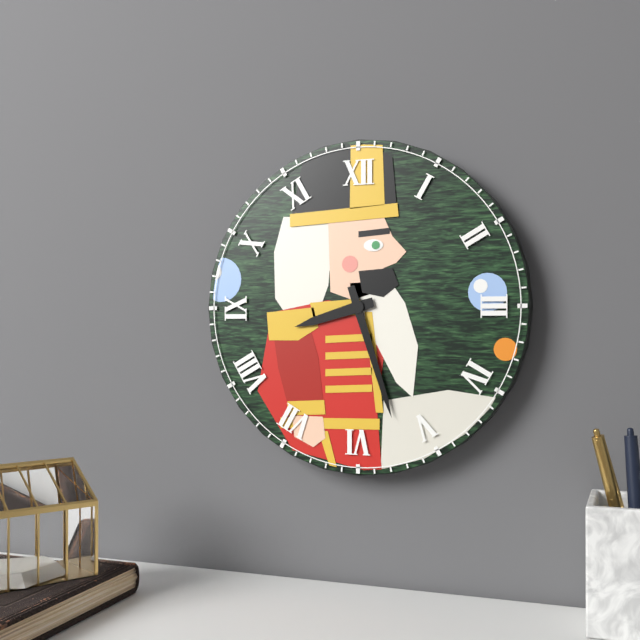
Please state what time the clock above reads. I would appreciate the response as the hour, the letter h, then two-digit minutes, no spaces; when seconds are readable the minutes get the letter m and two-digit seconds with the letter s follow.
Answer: 8h27
